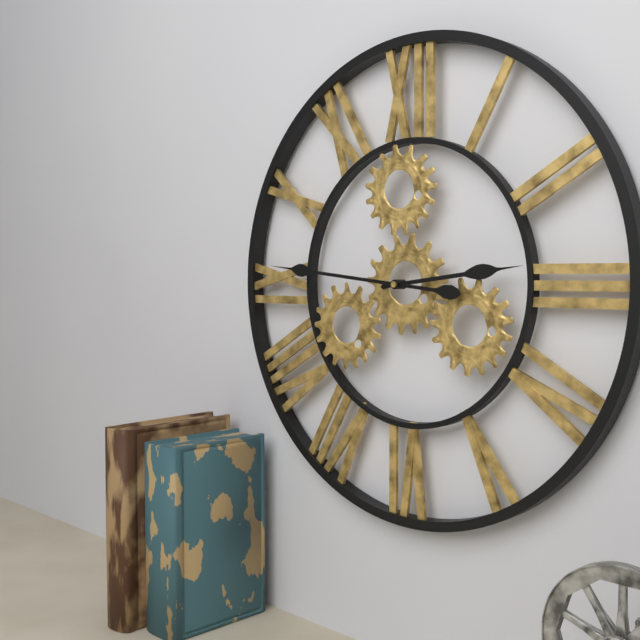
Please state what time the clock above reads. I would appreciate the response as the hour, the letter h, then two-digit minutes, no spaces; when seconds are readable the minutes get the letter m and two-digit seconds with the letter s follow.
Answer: 2h46
